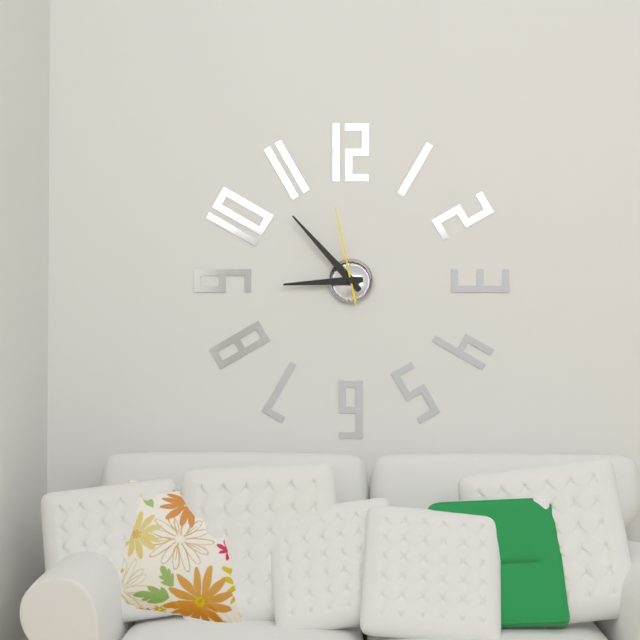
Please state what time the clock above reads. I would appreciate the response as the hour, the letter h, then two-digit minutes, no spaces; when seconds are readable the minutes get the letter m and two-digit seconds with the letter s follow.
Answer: 8h53m58s
